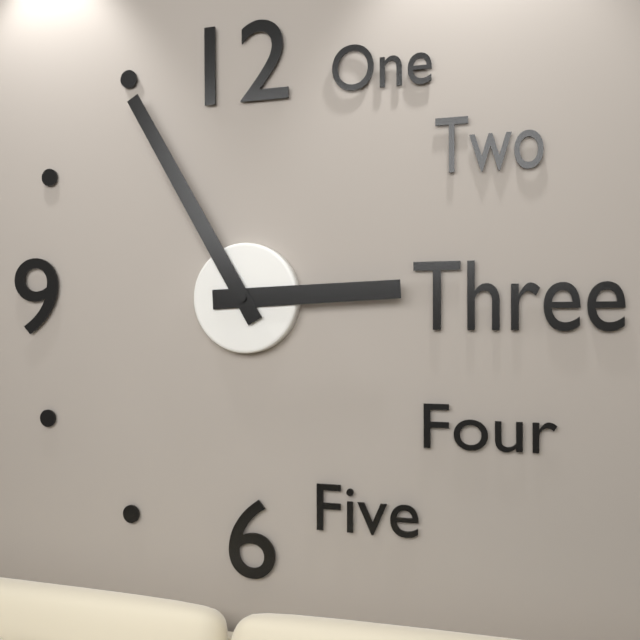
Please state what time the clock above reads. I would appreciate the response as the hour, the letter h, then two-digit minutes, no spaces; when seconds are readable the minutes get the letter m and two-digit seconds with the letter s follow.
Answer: 2h55
